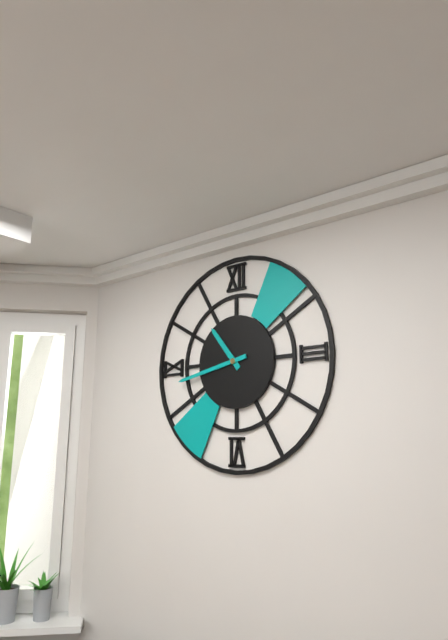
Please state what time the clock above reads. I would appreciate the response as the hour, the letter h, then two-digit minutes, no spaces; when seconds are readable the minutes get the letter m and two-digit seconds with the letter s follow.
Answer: 10h43
